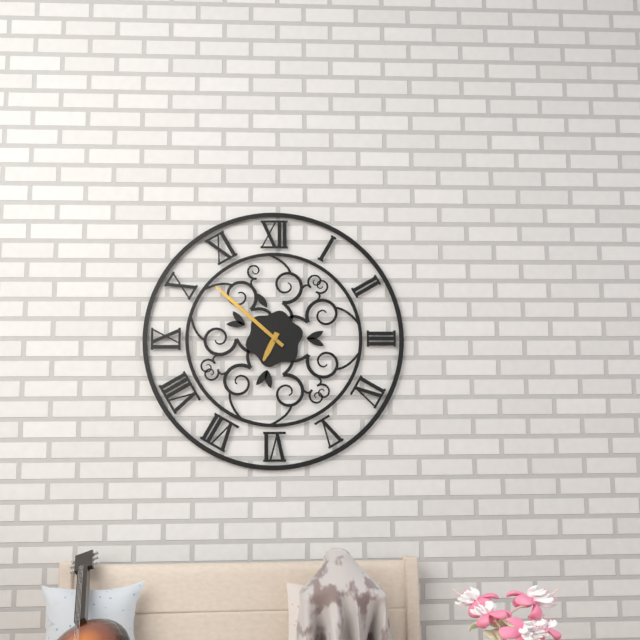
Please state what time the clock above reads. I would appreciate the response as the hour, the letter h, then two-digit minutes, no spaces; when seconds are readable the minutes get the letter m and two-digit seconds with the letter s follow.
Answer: 6h52
